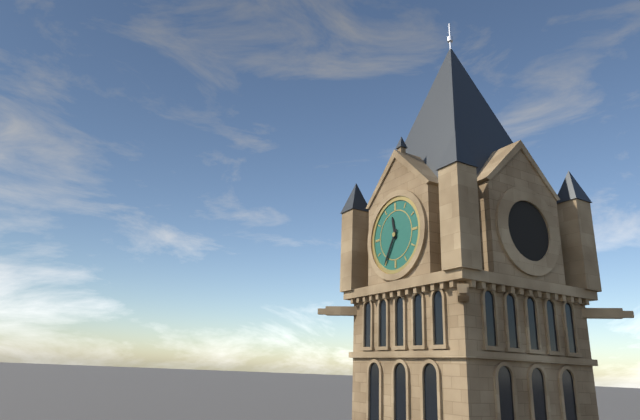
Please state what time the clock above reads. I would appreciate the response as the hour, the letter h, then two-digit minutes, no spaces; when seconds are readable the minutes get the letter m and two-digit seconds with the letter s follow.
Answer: 11h35
